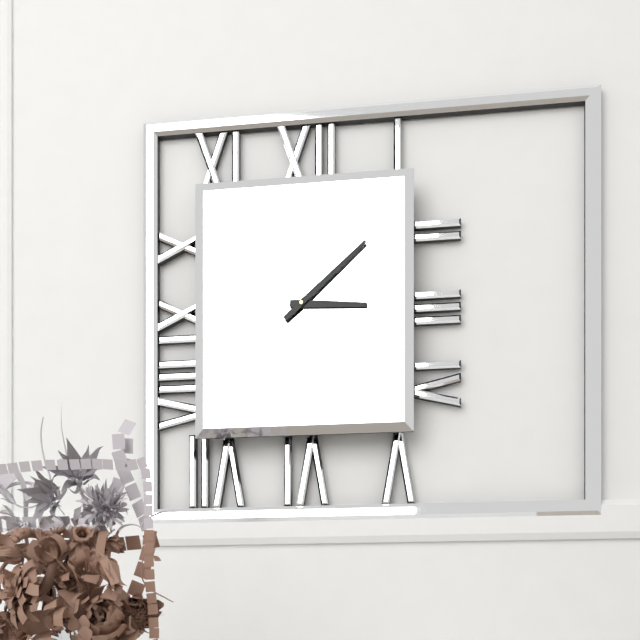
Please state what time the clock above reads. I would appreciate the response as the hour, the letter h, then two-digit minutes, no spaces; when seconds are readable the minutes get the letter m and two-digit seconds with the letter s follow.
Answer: 3h08
